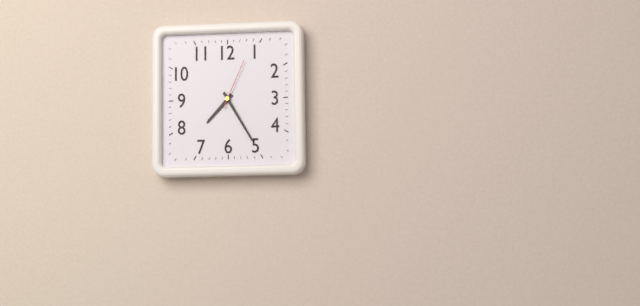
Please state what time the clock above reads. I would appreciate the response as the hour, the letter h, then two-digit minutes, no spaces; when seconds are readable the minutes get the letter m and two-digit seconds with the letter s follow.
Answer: 7h25m04s
